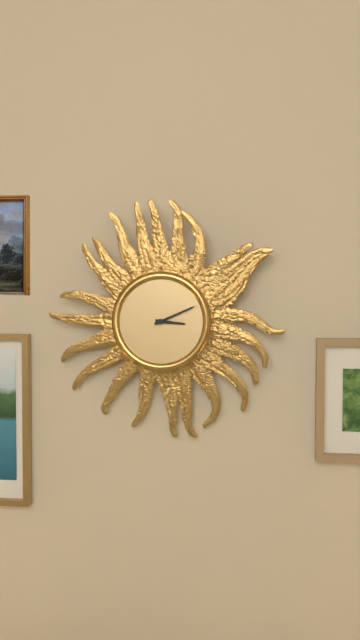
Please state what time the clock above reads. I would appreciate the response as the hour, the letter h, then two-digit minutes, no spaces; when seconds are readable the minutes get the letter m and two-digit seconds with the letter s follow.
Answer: 3h11
